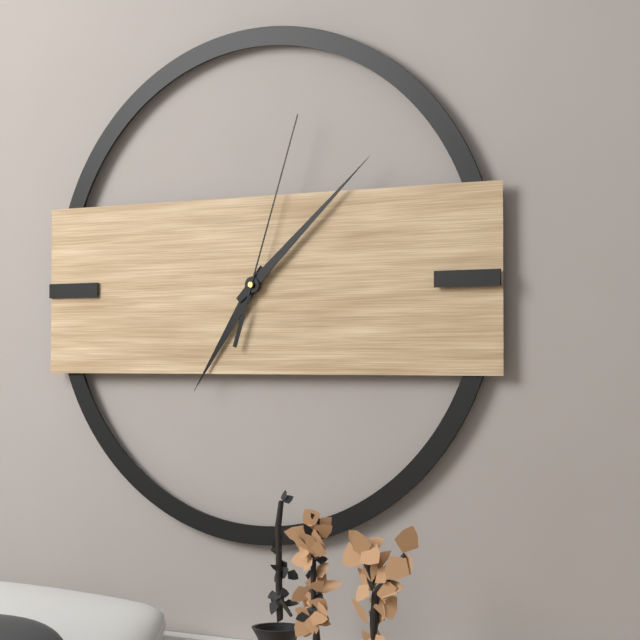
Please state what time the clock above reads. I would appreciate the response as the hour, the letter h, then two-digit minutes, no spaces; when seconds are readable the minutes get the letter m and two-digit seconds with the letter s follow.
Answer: 7h08m03s
